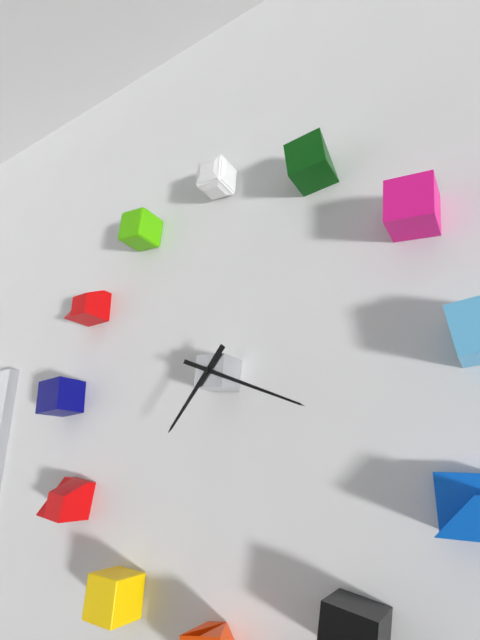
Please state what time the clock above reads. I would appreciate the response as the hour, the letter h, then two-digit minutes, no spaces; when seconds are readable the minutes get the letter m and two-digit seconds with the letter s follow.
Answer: 7h19
